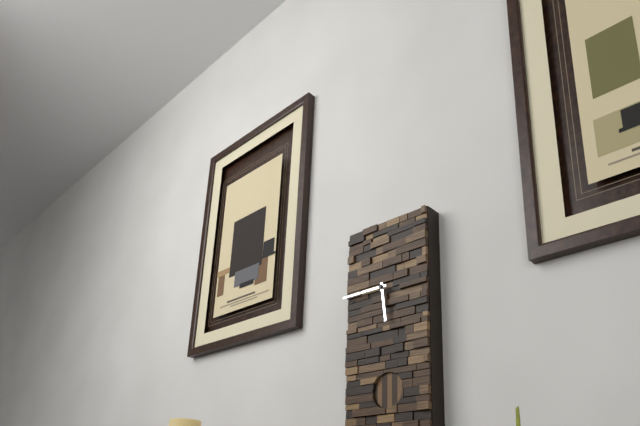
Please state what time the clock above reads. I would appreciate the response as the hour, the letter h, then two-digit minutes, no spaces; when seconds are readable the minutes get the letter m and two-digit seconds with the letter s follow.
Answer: 5h45
